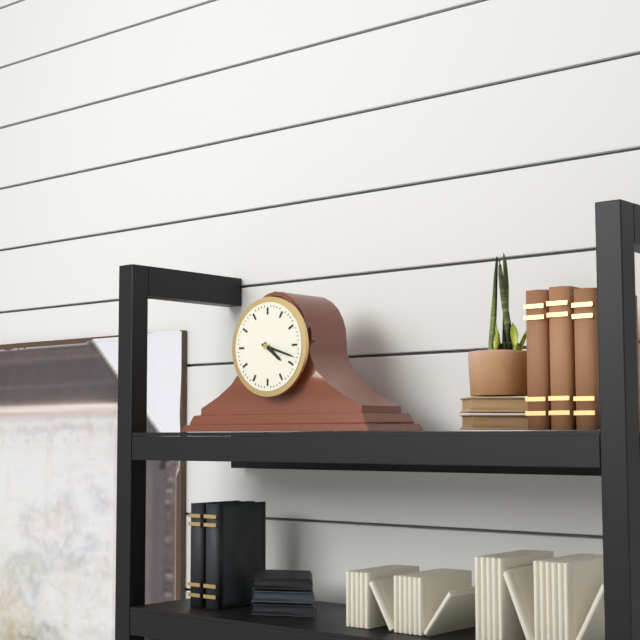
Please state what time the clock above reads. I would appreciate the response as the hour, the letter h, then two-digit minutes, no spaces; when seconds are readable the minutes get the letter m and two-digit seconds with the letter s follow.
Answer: 4h18
